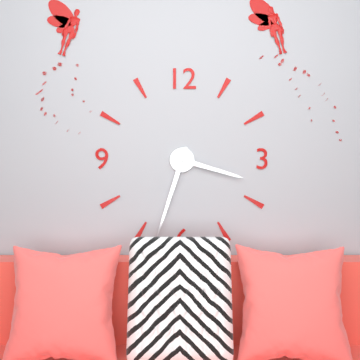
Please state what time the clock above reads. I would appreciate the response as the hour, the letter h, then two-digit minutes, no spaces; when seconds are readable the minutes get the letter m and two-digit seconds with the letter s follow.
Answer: 3h33
